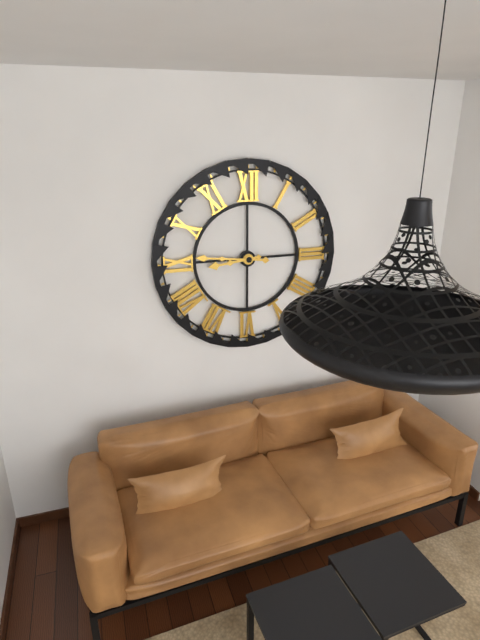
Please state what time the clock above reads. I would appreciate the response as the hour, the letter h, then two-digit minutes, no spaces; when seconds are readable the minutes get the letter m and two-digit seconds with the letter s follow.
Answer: 8h46
